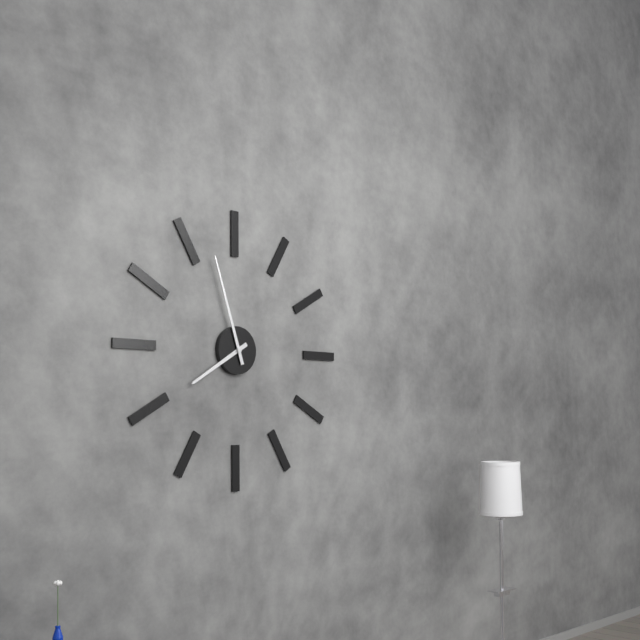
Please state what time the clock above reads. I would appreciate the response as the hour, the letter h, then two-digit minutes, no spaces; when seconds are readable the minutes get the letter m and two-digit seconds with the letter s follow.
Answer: 7h57
